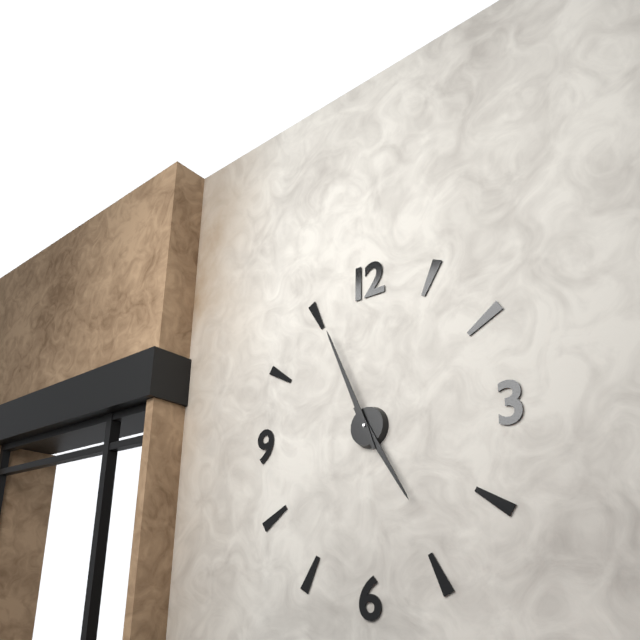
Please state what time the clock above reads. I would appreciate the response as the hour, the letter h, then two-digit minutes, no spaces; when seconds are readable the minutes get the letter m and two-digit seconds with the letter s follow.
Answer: 4h56
